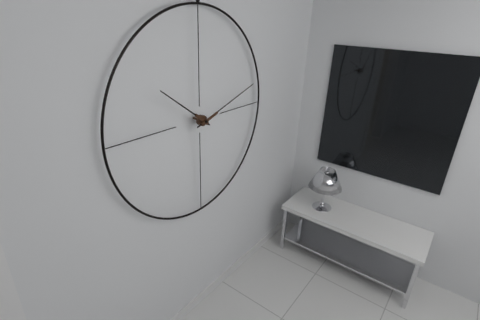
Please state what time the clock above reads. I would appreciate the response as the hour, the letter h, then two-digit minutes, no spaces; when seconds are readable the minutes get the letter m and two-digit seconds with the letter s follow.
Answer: 10h12
